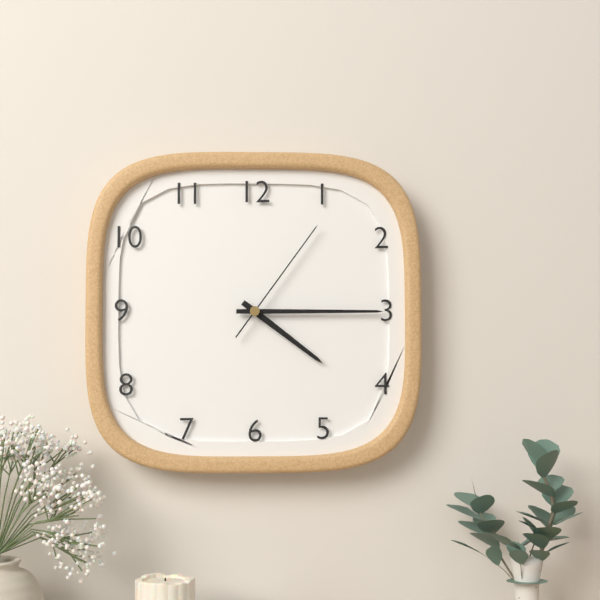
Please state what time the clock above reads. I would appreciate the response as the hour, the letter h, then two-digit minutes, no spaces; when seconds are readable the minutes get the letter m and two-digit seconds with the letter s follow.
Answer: 4h15m06s
